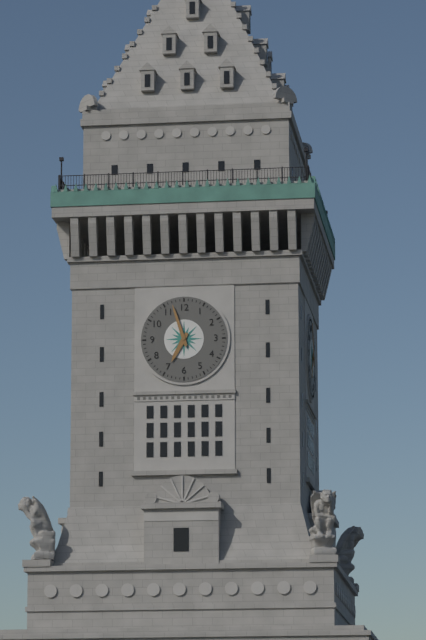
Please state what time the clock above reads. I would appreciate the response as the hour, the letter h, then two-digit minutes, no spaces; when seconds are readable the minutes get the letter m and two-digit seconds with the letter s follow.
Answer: 6h57
